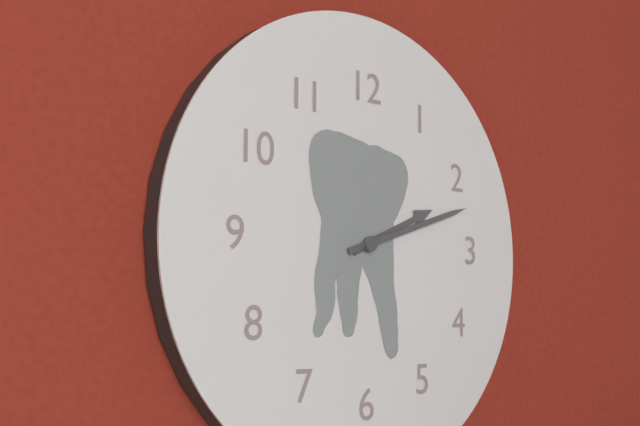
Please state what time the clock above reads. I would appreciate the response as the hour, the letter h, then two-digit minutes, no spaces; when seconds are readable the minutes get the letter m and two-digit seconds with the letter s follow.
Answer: 2h12
